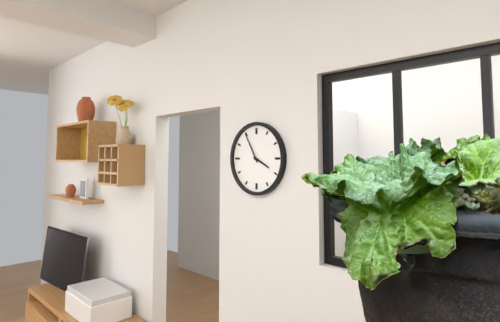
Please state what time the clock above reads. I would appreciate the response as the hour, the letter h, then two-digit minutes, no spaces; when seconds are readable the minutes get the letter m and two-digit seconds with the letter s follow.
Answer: 3h55
